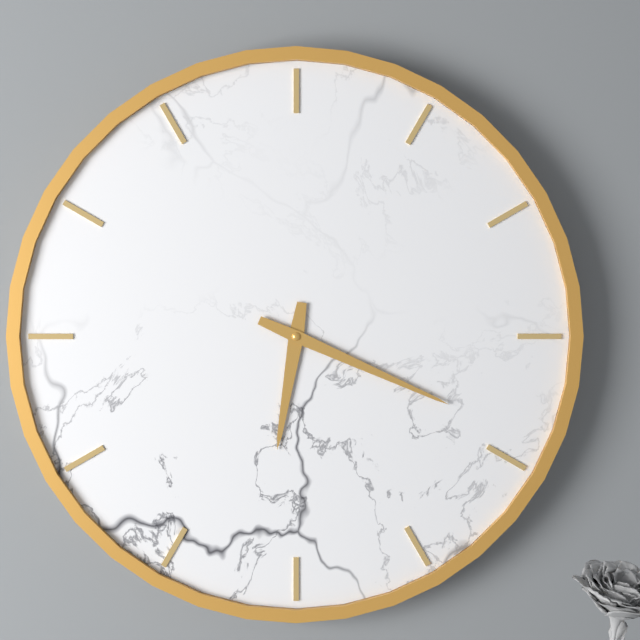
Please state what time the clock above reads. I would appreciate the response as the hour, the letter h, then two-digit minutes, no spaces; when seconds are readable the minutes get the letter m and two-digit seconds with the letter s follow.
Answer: 6h19
